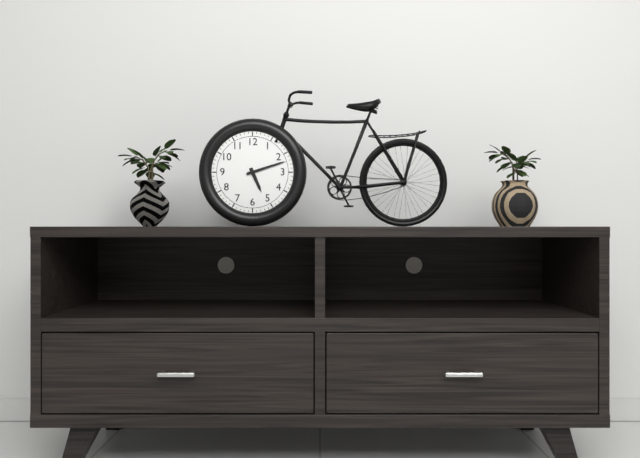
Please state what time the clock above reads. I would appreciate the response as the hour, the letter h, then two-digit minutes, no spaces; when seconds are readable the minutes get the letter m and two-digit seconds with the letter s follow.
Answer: 5h12
